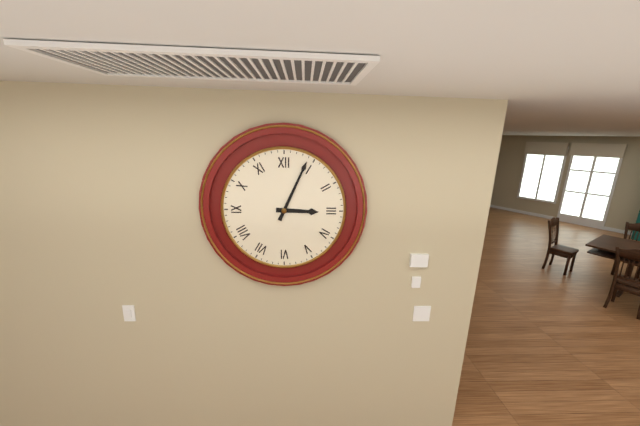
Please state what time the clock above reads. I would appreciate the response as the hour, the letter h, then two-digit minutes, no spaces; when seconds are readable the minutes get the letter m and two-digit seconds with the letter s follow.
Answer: 3h04
